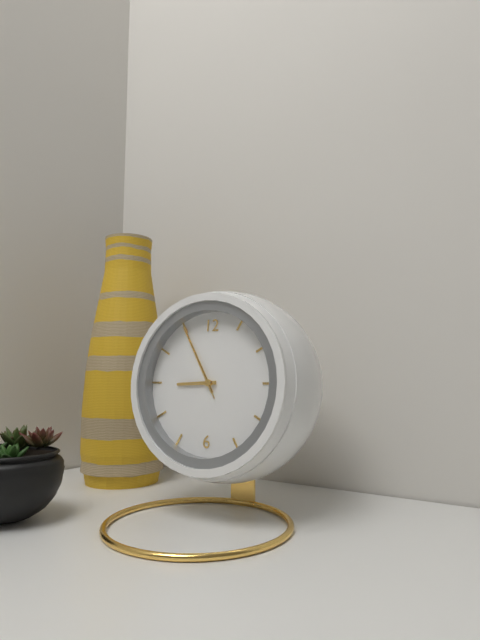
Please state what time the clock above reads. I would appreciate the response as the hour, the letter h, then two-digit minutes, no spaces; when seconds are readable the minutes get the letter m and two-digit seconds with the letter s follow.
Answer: 8h55m55s
